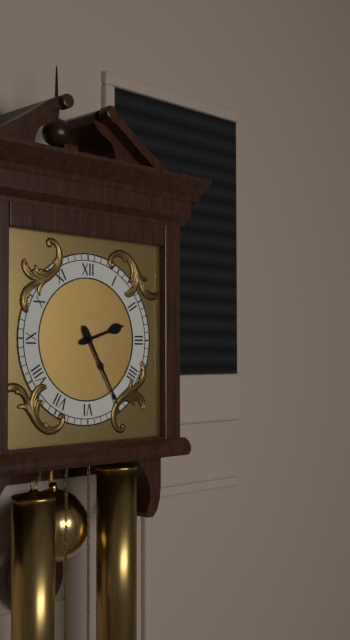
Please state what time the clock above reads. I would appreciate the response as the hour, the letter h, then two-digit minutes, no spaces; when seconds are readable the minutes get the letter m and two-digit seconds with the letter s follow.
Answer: 2h25
